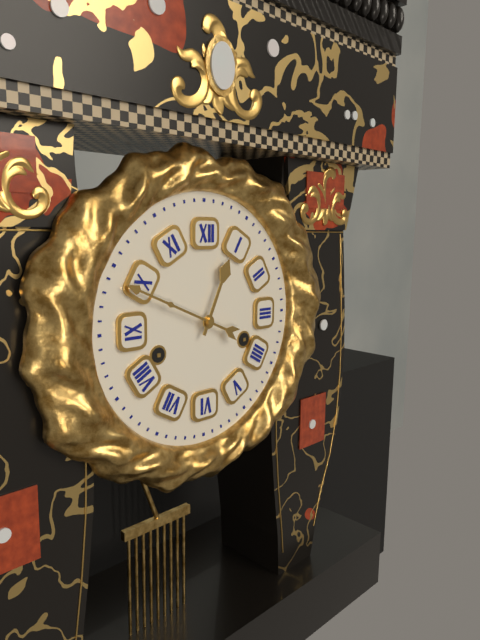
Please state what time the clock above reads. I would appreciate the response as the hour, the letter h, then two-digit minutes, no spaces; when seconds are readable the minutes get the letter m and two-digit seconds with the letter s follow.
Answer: 12h49
